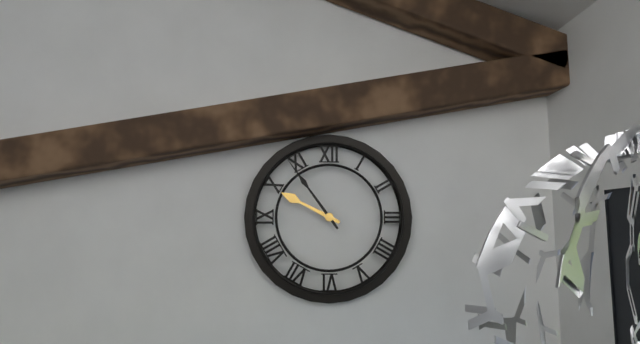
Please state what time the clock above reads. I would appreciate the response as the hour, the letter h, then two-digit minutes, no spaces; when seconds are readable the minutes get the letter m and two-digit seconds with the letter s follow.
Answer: 9h54
